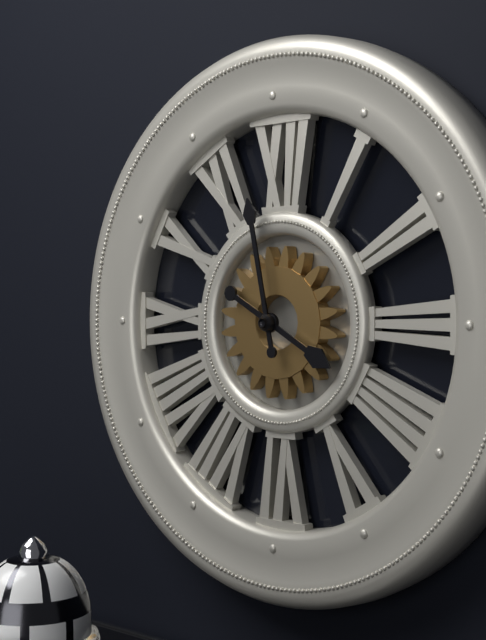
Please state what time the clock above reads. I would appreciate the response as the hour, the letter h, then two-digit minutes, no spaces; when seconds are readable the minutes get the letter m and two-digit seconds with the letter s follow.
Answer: 3h58
